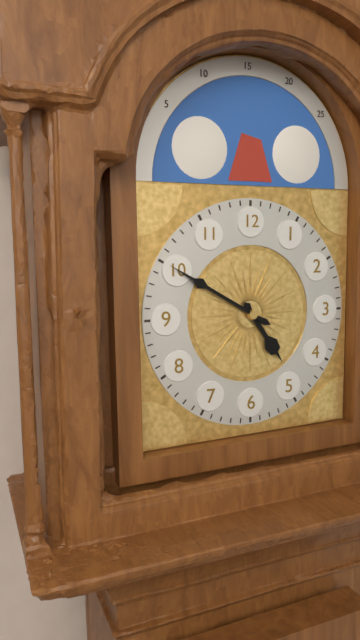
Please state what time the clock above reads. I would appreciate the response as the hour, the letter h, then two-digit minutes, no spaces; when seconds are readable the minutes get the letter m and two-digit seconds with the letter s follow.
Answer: 4h50
